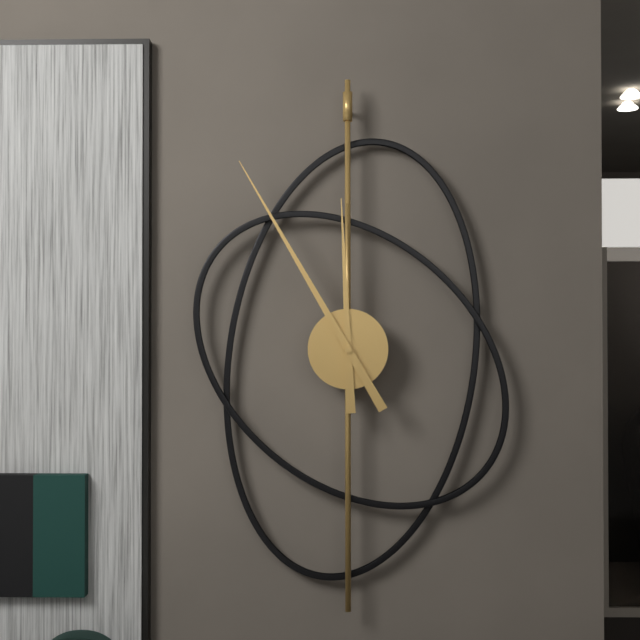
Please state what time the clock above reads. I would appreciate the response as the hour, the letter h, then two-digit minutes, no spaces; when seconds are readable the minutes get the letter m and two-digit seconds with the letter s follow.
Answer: 11h55
